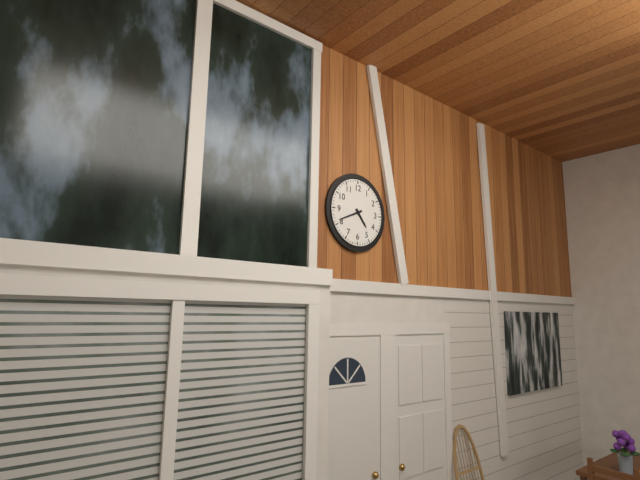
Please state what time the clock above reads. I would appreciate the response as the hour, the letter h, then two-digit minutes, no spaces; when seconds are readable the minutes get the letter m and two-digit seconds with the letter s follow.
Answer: 4h41
